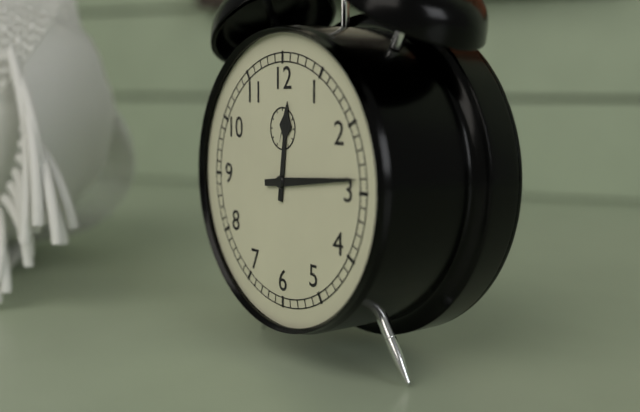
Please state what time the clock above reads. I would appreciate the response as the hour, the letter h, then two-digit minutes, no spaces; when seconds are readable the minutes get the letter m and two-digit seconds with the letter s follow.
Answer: 12h14
